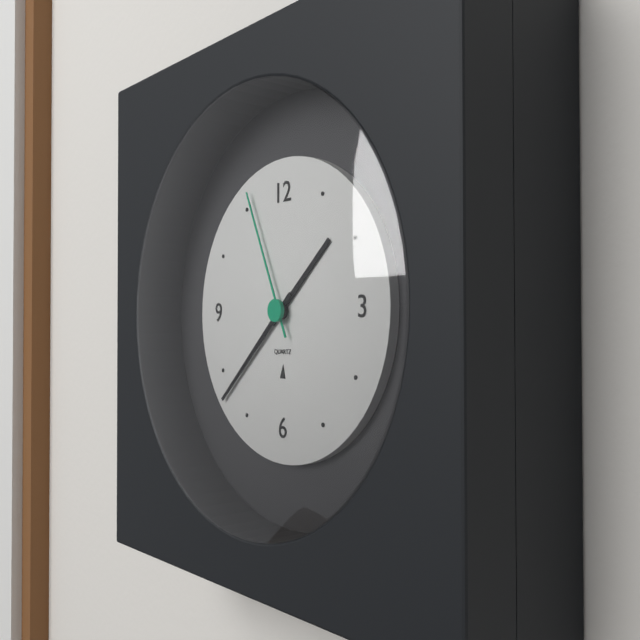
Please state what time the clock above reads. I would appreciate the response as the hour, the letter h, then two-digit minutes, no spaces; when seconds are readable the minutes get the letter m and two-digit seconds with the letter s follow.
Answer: 1h38m56s
